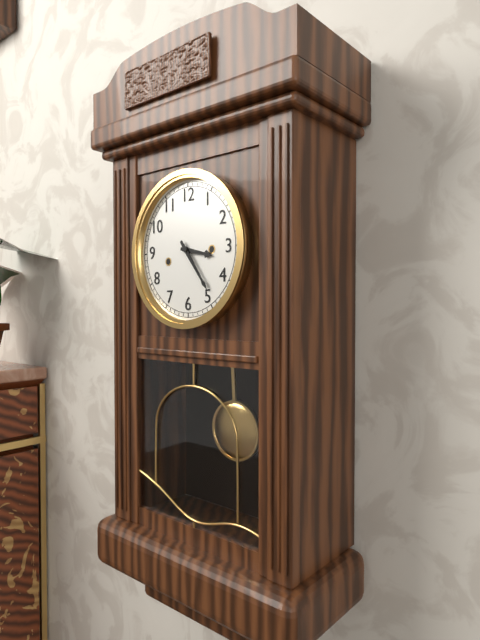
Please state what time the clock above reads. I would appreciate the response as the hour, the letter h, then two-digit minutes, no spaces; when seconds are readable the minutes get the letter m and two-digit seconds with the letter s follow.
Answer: 3h24
